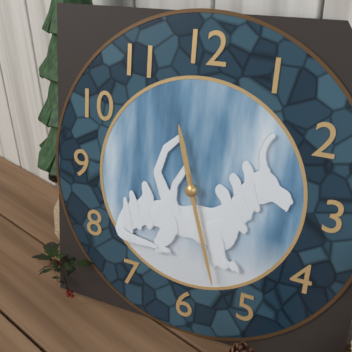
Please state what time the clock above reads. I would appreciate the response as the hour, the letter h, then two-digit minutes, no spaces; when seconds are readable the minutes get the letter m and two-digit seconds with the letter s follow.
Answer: 11h27
